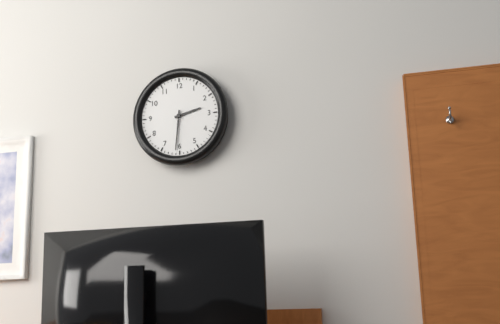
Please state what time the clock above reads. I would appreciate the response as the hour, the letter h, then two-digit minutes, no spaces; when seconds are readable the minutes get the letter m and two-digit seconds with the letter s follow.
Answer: 2h31
